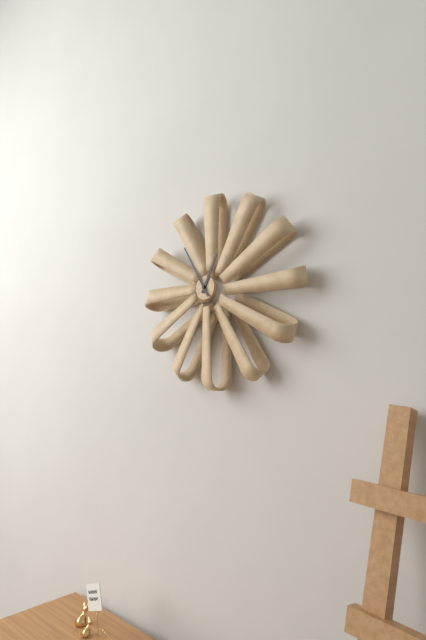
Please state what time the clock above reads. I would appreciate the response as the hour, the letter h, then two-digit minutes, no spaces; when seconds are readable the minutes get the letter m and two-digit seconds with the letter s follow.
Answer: 12h55
